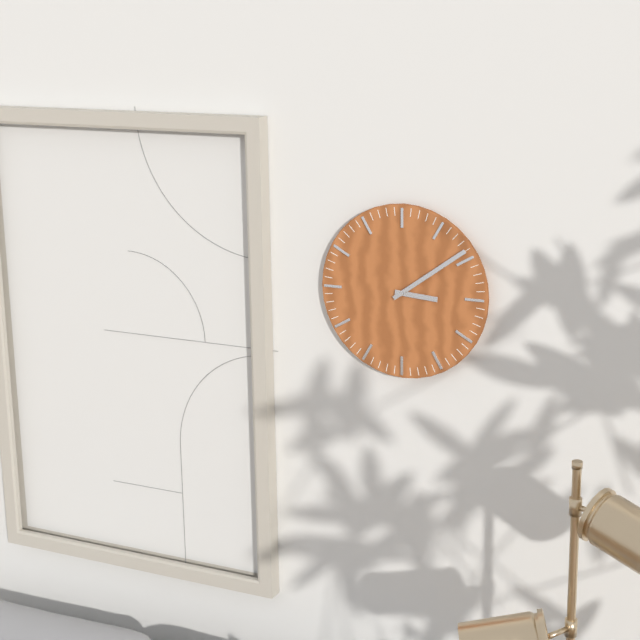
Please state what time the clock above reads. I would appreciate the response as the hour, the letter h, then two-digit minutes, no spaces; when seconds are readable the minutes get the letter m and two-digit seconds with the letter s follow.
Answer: 3h09
